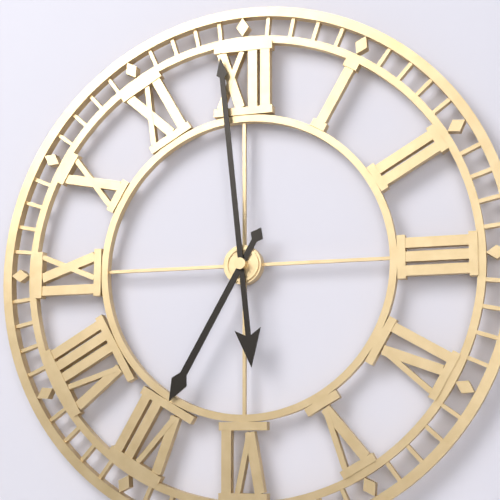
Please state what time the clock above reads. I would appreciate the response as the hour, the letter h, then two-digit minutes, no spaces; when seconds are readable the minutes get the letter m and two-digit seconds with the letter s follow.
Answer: 6h59
